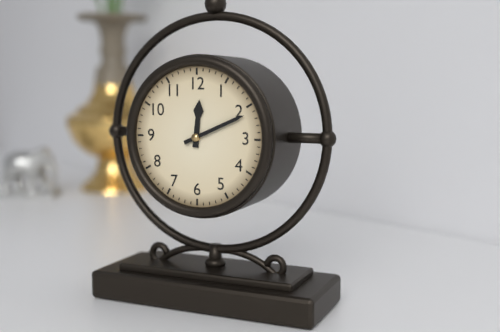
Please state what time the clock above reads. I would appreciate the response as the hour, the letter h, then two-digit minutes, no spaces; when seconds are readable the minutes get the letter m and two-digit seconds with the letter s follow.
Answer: 12h11
